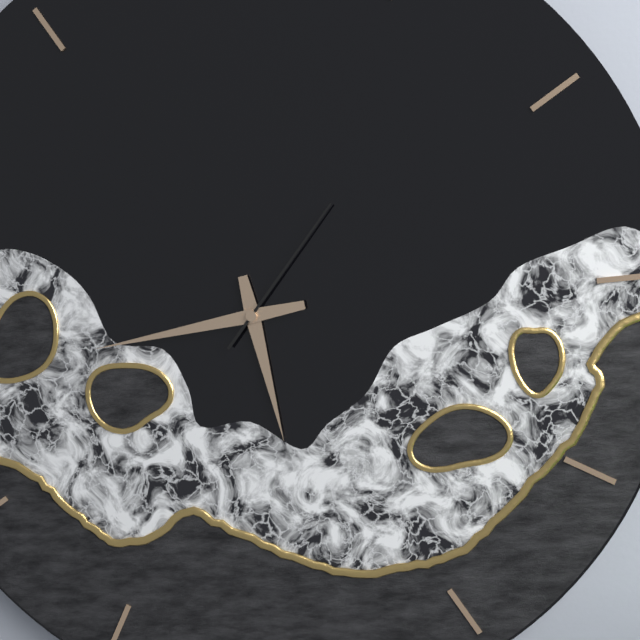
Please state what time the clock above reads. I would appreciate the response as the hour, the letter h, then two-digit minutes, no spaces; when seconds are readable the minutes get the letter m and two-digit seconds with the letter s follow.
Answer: 5h44m07s
